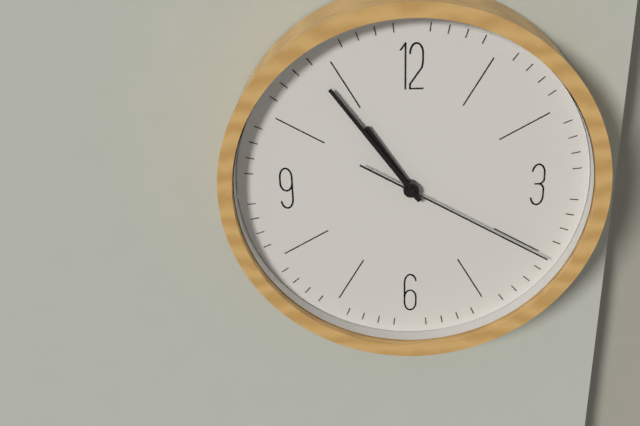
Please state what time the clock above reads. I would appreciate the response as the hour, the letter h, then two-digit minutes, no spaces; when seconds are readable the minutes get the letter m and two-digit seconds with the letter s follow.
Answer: 10h54m20s
